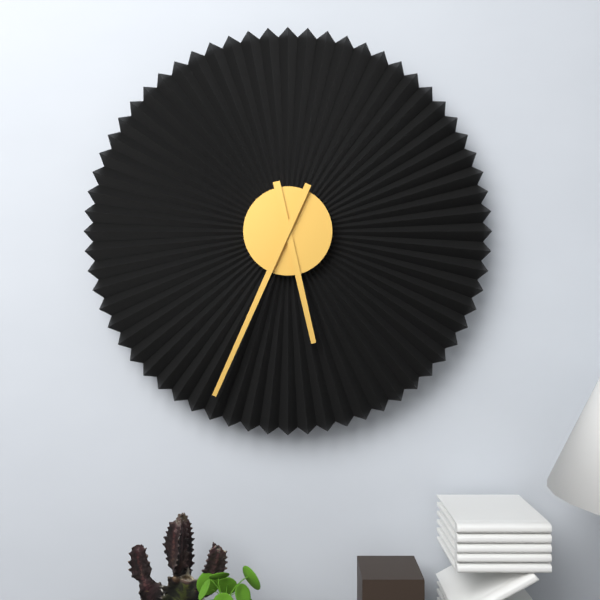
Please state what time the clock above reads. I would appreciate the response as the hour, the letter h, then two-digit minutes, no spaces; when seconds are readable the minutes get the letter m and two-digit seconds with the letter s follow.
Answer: 5h34
